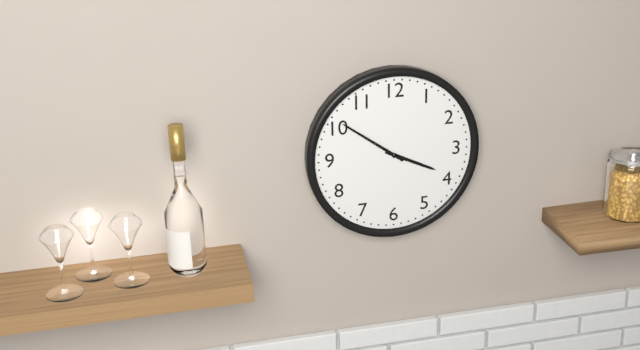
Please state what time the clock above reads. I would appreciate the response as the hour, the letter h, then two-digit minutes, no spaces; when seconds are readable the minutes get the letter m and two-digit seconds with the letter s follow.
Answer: 3h51
